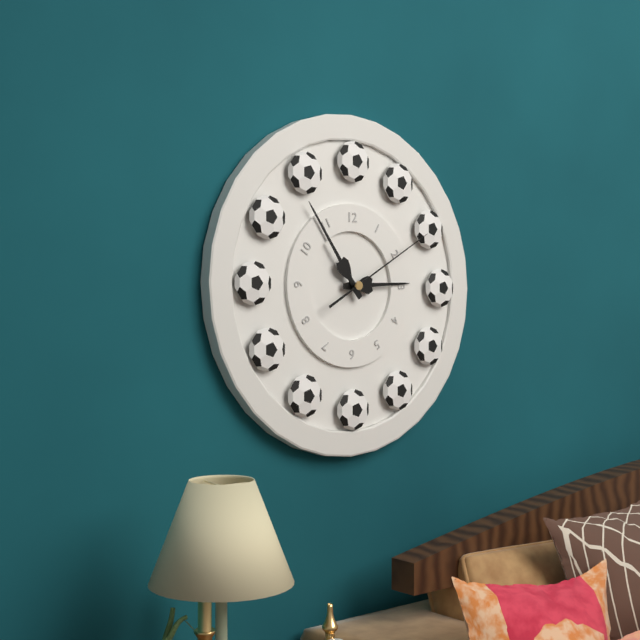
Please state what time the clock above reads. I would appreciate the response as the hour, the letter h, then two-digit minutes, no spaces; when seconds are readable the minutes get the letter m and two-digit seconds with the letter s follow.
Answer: 2h54m10s
